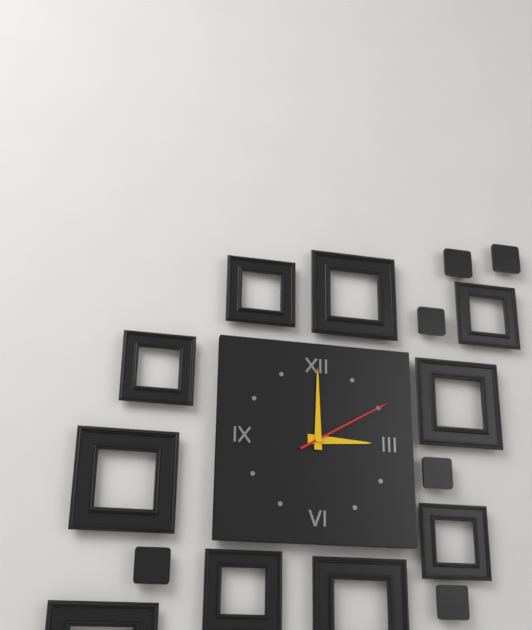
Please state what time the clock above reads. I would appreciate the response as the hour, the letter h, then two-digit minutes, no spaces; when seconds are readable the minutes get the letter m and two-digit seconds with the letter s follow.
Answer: 3h00m10s
